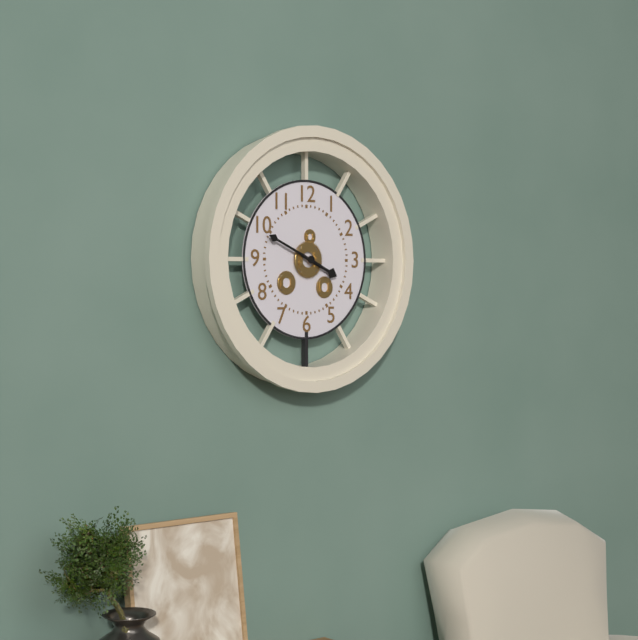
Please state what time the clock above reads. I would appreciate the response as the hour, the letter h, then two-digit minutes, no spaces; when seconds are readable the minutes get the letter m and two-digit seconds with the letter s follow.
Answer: 3h49
